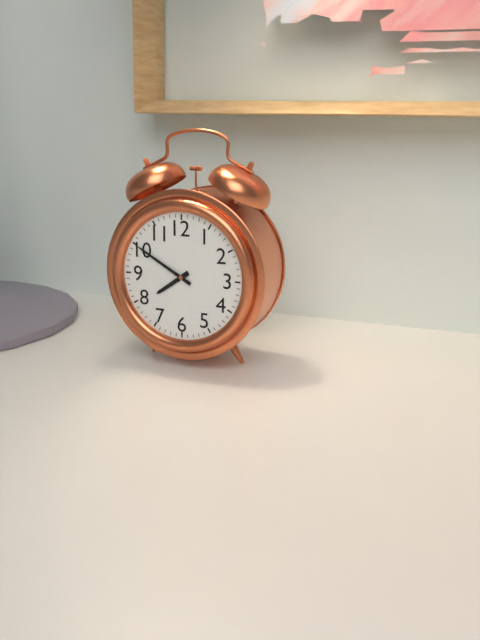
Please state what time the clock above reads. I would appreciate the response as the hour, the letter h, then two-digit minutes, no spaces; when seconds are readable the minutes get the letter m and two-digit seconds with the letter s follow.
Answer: 7h50
